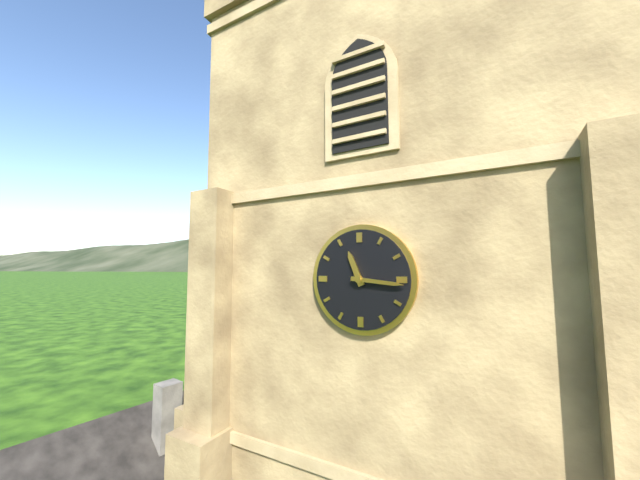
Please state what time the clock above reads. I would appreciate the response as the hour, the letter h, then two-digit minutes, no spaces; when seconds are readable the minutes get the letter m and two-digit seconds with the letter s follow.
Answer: 11h16
